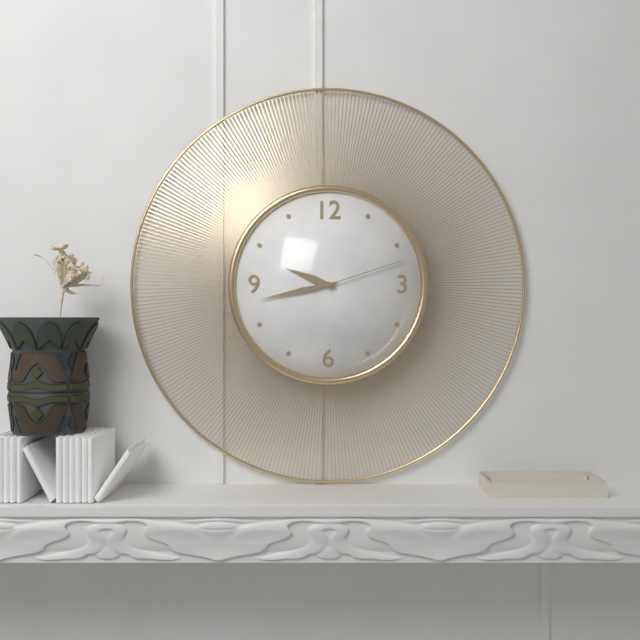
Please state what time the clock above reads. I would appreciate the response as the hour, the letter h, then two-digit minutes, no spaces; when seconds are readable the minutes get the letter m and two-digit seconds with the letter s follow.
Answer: 9h43m12s
